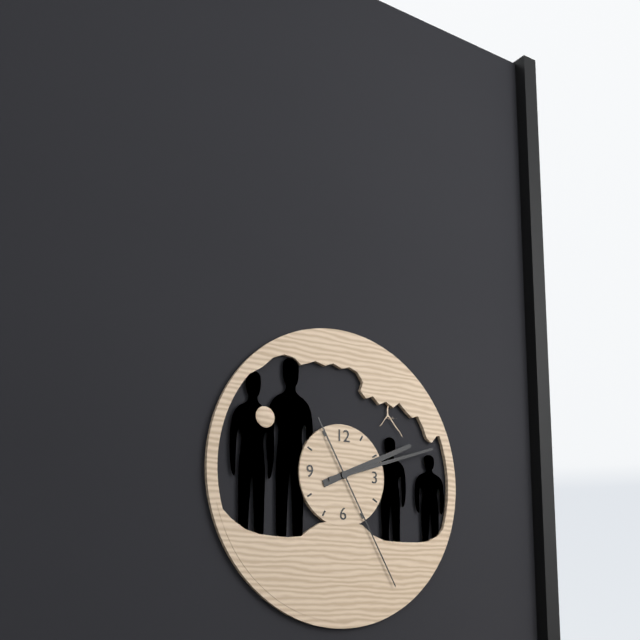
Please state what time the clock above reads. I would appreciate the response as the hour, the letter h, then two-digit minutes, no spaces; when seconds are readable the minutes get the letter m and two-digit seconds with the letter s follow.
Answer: 2h12m25s
